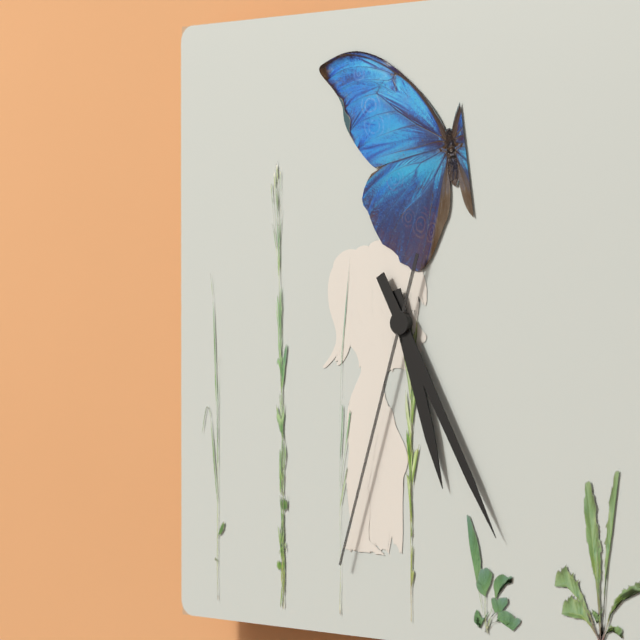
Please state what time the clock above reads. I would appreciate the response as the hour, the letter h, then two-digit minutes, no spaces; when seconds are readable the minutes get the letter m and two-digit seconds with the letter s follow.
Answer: 5h25m33s
